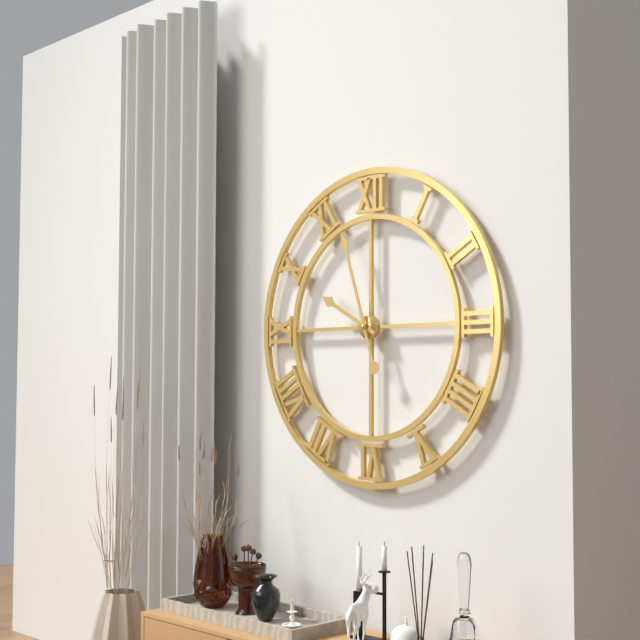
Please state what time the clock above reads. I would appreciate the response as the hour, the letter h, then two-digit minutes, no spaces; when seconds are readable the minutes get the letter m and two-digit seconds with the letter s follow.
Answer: 9h57
